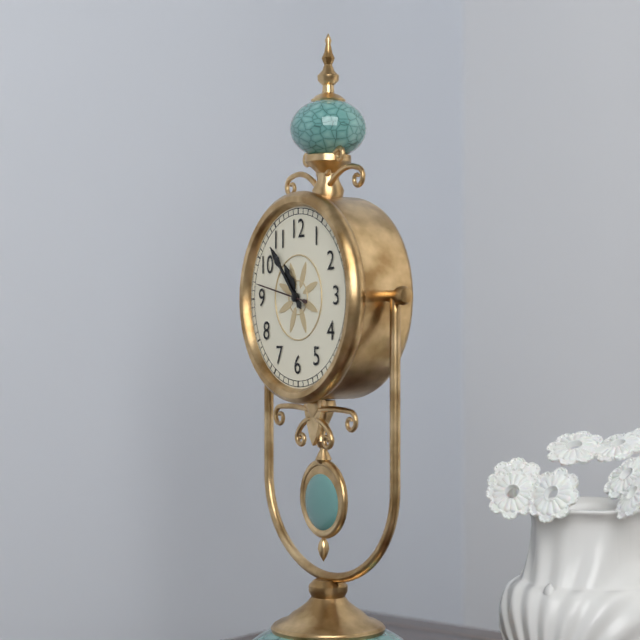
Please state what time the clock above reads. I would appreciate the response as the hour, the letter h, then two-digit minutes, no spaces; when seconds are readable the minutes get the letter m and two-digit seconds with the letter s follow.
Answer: 10h53m47s
